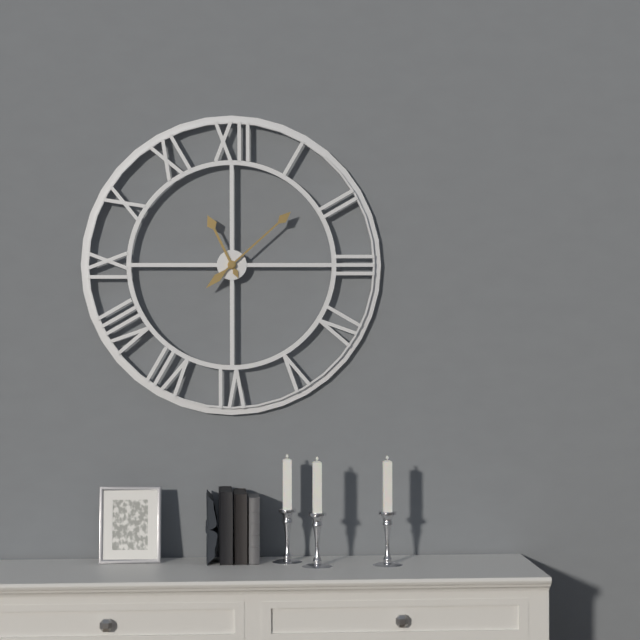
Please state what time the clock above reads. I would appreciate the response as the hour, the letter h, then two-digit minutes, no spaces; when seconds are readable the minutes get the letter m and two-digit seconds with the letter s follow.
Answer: 11h08
